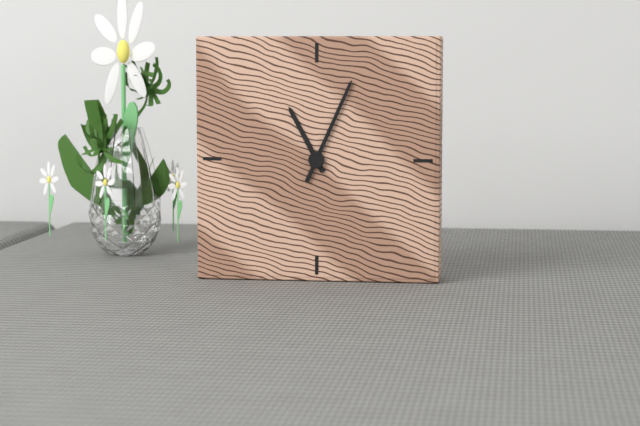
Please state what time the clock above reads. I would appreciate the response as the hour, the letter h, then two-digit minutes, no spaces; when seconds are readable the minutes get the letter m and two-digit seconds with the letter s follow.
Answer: 11h04
